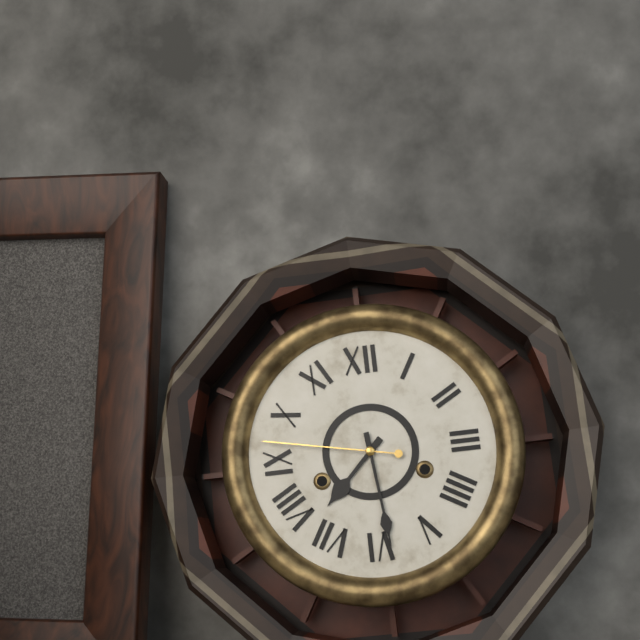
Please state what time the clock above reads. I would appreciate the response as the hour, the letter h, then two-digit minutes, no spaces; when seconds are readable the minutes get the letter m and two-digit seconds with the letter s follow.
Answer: 7h29m47s
